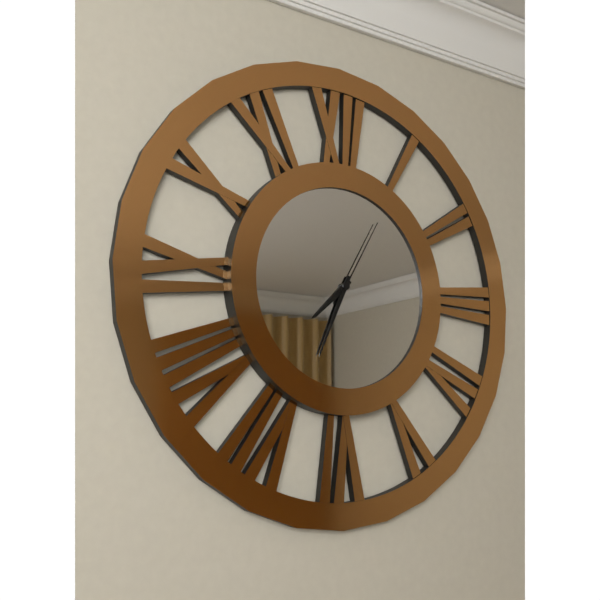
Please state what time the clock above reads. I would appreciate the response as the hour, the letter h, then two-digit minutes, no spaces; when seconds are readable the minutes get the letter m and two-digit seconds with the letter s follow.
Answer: 7h34m05s
